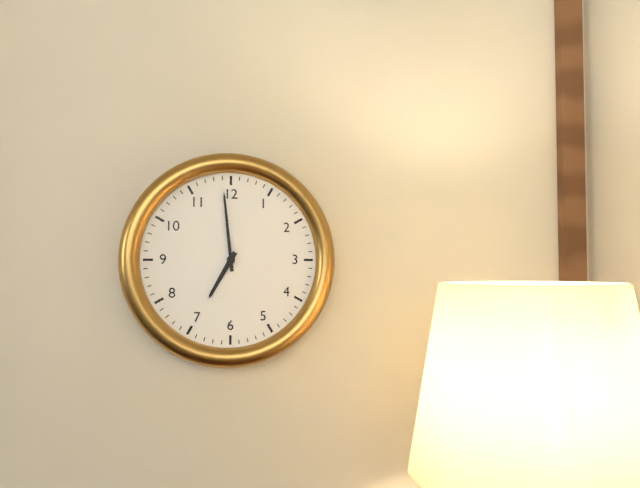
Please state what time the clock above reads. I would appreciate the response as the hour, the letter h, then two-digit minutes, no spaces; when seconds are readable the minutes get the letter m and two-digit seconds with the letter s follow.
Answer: 6h59
